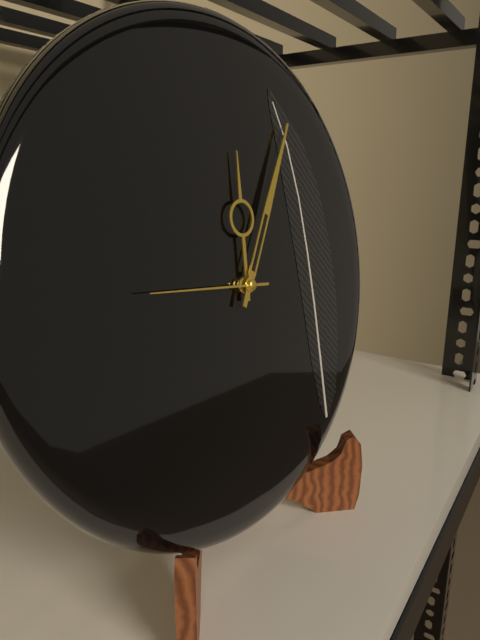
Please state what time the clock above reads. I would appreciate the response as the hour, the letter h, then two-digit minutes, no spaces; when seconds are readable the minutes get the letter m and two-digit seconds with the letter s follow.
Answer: 12h05m46s
